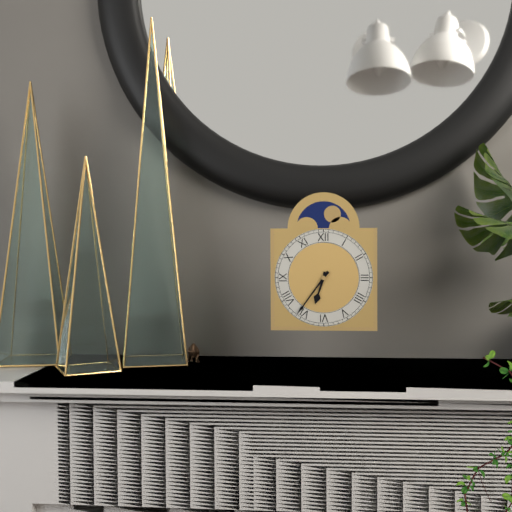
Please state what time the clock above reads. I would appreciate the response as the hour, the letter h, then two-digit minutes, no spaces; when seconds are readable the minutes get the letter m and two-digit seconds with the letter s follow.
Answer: 6h36
